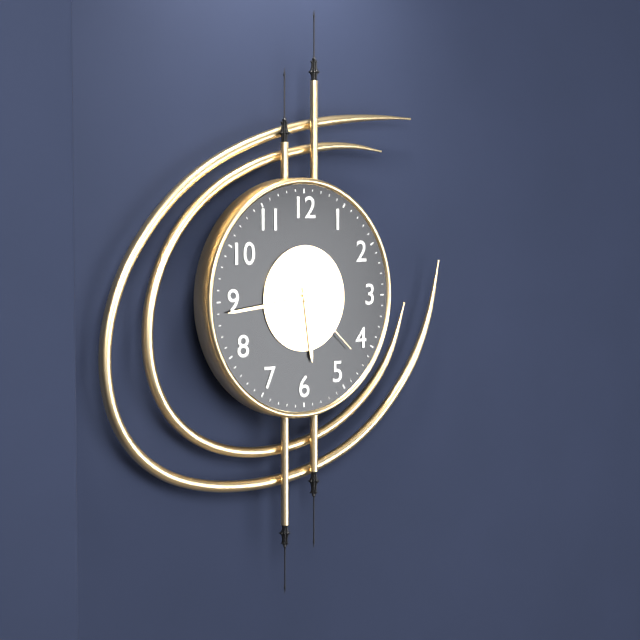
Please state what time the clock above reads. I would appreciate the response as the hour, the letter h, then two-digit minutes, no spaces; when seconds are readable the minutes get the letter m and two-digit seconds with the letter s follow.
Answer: 5h44m22s
